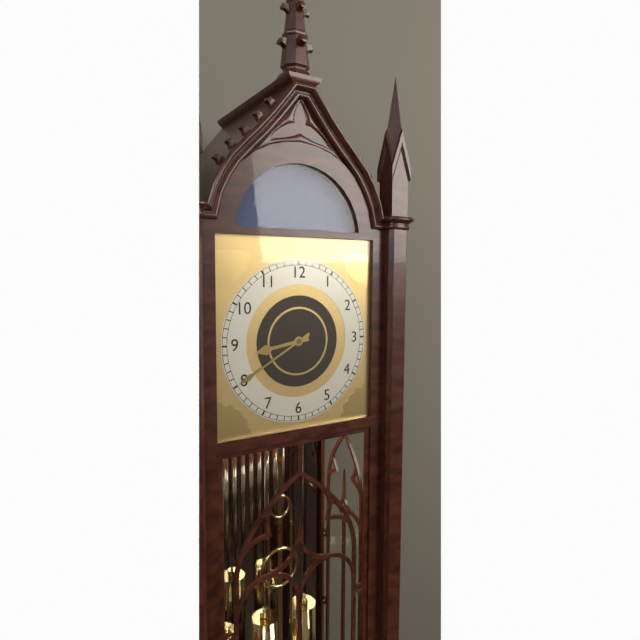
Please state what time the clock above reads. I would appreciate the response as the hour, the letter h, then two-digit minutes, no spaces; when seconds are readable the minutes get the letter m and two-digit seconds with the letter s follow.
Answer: 8h40
